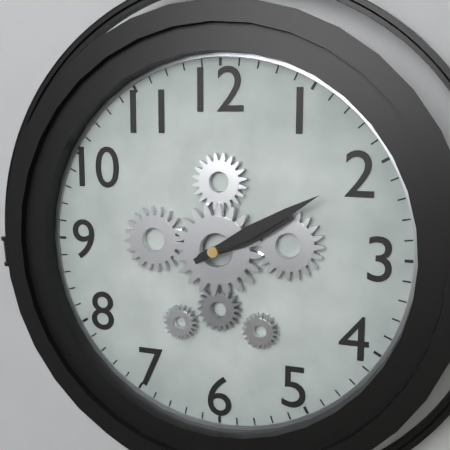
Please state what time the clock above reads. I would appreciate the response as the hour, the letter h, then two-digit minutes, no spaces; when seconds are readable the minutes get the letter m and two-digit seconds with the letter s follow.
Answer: 2h10
